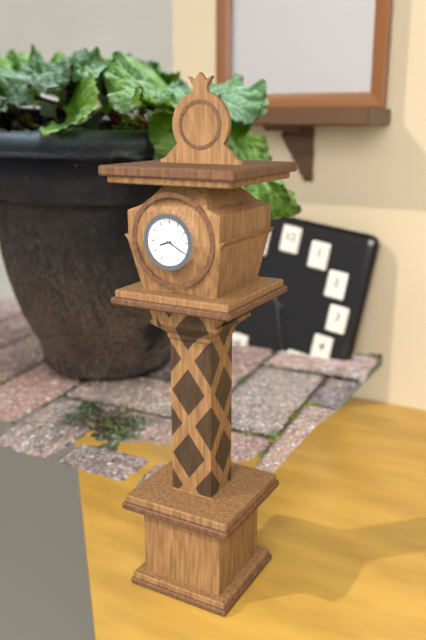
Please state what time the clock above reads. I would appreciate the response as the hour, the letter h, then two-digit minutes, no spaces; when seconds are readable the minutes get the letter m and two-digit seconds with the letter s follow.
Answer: 8h20
